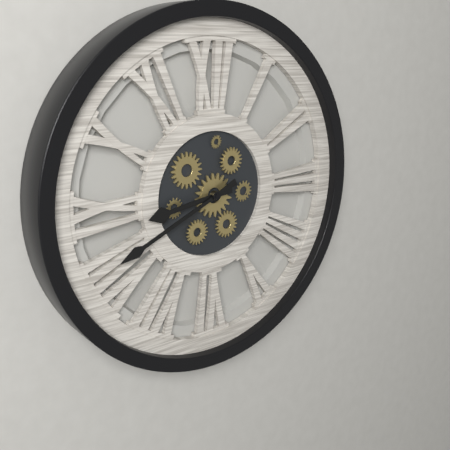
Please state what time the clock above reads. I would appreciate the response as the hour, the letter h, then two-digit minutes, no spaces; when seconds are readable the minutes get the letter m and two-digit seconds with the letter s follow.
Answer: 8h41
